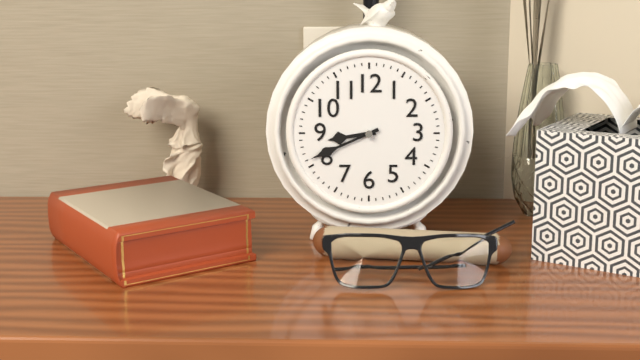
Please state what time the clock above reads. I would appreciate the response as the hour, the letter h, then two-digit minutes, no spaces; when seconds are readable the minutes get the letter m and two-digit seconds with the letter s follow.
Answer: 8h41
